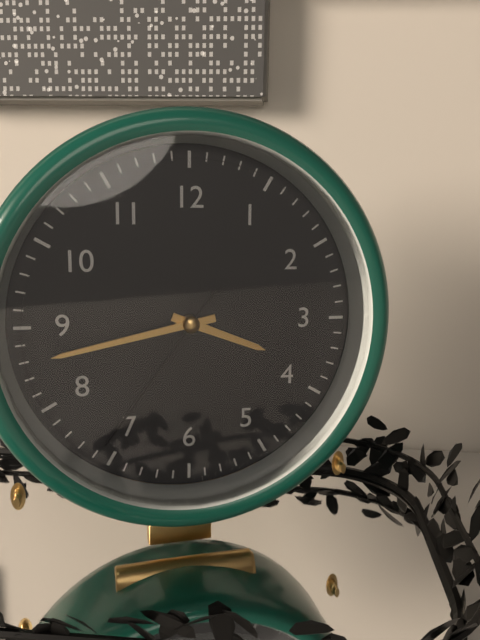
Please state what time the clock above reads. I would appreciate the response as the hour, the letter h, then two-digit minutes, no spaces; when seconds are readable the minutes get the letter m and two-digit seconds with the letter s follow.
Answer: 3h43m36s
